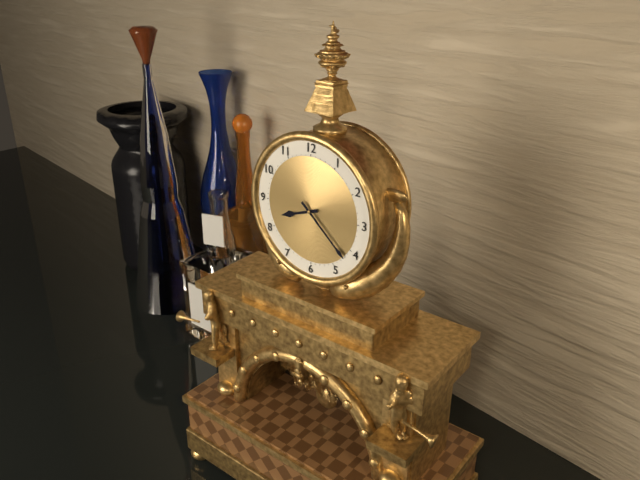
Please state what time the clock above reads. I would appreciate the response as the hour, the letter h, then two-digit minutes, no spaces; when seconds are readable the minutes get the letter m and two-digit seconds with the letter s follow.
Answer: 8h22
